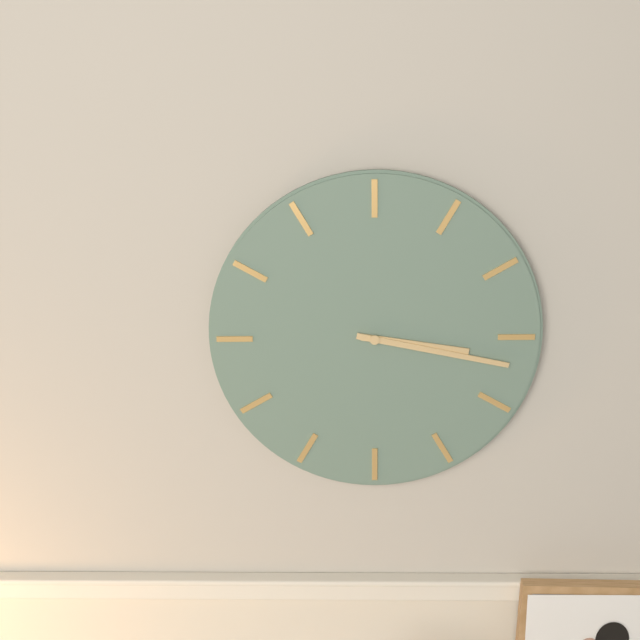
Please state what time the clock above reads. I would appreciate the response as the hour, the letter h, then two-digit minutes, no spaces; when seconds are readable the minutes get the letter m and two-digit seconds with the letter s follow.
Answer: 3h17
